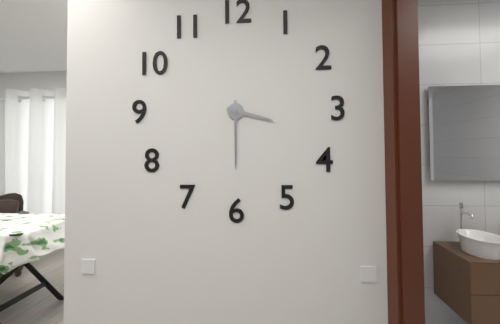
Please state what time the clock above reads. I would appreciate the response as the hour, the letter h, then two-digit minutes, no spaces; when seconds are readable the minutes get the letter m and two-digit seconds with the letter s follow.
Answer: 3h30
